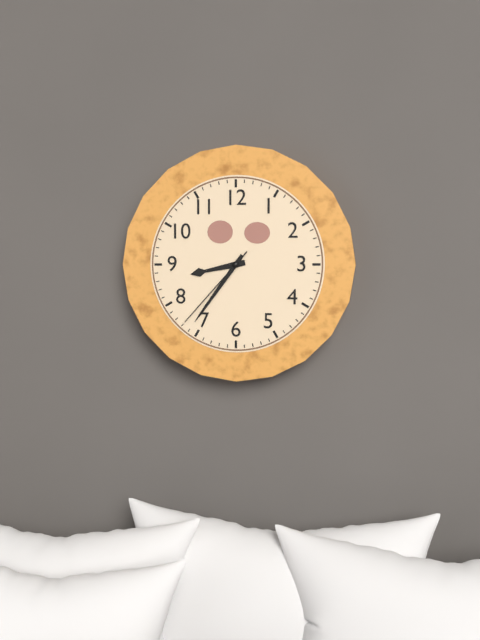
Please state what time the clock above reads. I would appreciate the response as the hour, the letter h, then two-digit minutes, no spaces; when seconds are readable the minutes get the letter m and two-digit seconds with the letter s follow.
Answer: 8h36m37s
